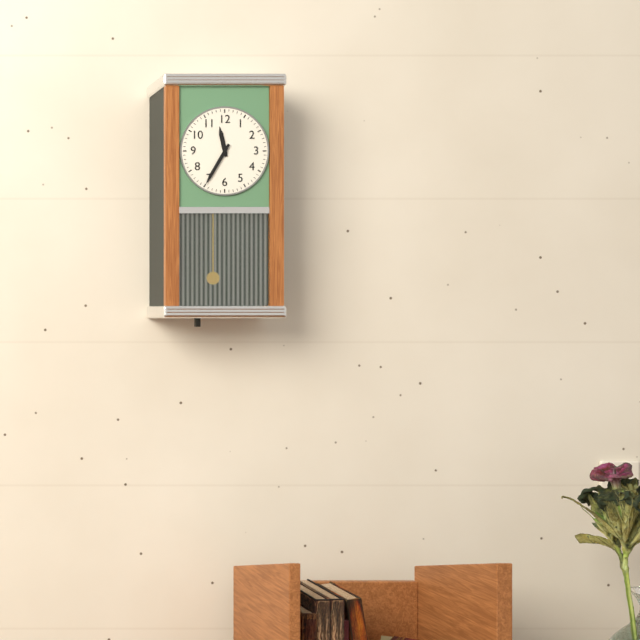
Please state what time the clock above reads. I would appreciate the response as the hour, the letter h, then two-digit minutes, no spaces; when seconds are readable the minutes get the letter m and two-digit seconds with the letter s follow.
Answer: 11h35
